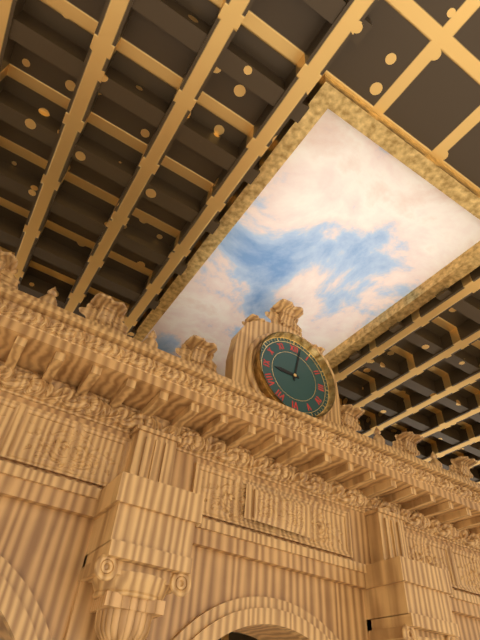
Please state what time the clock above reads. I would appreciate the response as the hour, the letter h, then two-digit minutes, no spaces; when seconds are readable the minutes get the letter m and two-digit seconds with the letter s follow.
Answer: 9h02
